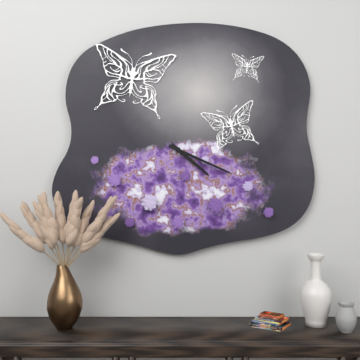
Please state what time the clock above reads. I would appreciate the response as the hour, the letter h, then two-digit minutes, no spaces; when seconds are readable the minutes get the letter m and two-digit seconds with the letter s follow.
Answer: 4h19
